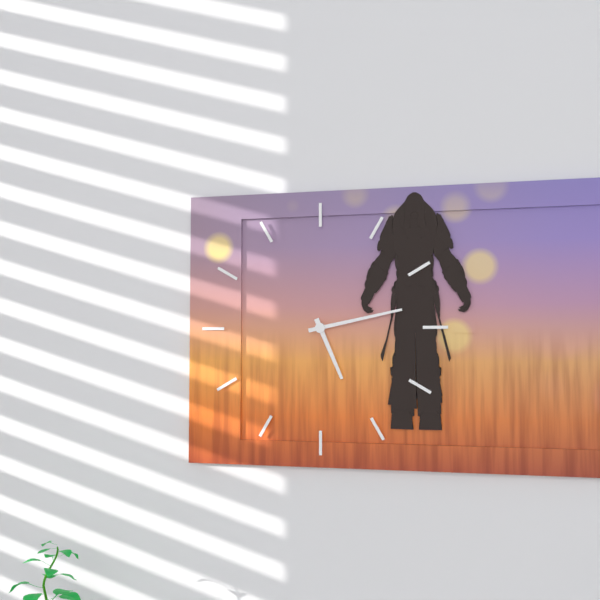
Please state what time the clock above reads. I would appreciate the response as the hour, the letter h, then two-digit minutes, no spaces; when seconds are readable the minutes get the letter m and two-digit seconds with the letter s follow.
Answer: 5h13
